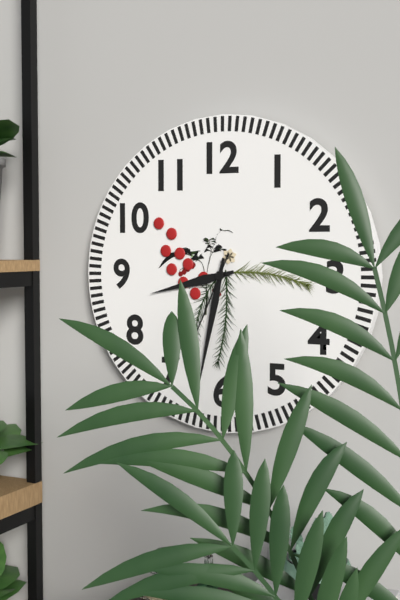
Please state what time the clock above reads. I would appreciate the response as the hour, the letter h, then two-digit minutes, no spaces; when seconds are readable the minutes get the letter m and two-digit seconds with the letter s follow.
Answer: 8h32
